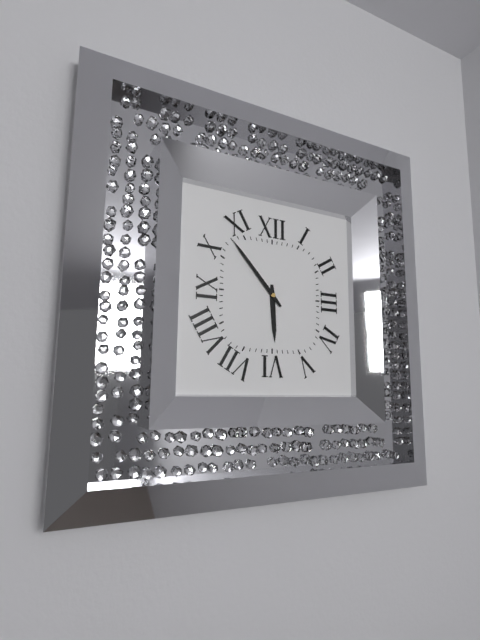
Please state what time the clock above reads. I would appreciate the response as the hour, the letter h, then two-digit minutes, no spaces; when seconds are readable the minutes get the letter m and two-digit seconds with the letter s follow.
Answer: 5h53
